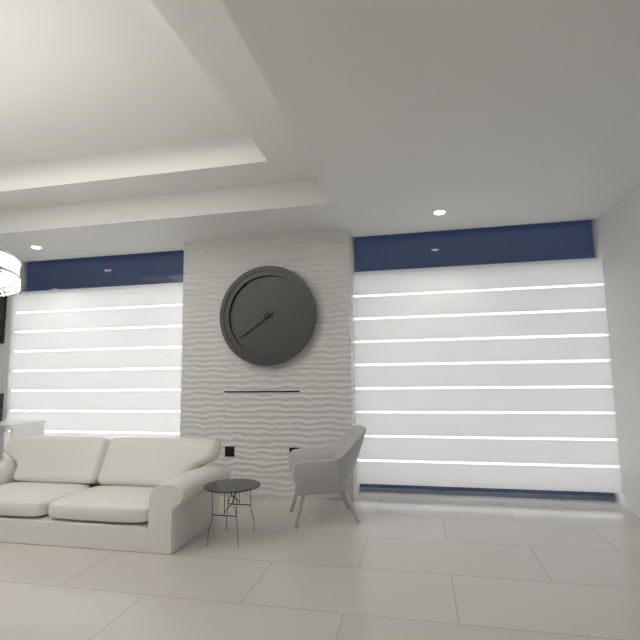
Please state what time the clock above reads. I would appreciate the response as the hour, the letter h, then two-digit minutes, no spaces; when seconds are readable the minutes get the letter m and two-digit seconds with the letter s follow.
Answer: 9h39
